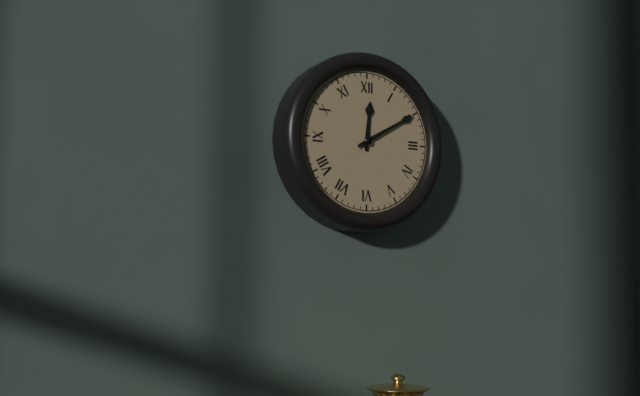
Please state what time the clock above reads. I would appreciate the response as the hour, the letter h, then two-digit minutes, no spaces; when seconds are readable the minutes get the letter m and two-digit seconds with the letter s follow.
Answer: 12h10
